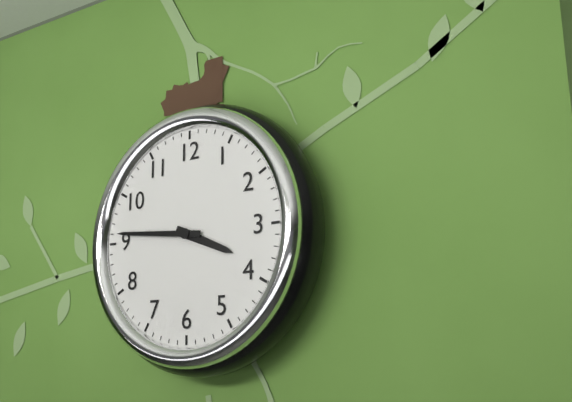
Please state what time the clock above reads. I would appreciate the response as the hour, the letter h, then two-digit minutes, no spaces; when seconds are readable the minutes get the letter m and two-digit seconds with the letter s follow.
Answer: 3h46
